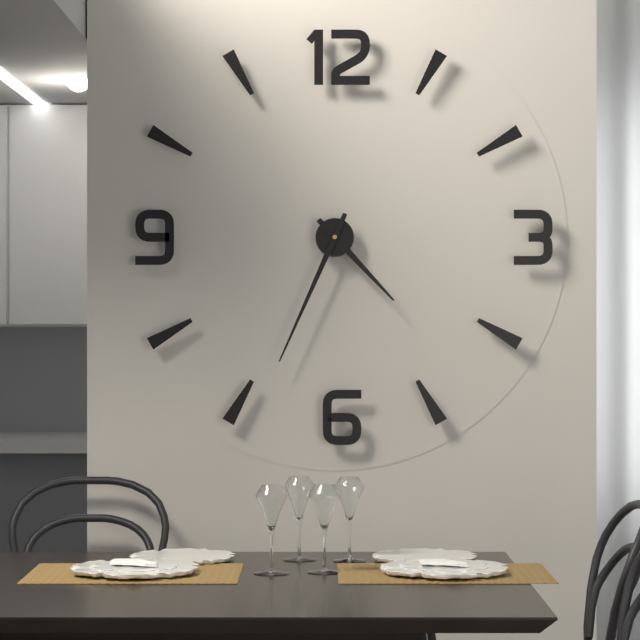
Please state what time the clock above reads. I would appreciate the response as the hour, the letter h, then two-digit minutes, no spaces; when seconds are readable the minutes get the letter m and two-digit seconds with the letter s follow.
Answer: 4h34
